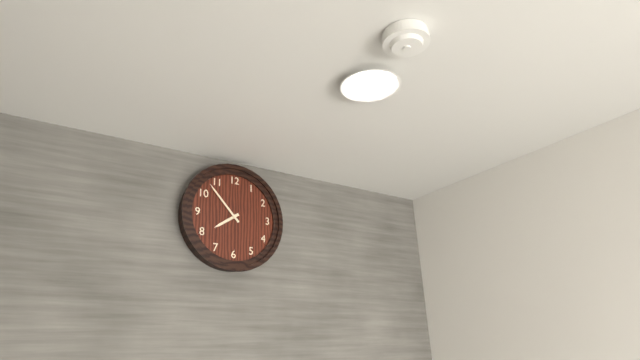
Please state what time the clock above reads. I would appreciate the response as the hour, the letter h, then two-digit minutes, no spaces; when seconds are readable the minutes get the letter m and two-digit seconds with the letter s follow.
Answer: 7h53
